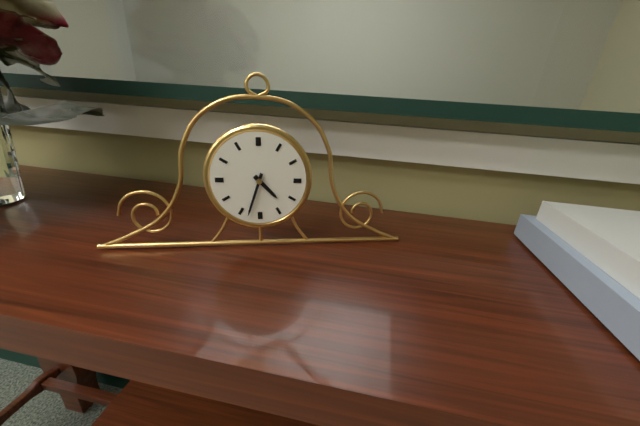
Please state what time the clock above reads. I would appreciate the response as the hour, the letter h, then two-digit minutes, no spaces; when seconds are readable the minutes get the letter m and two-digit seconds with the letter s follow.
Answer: 4h33
